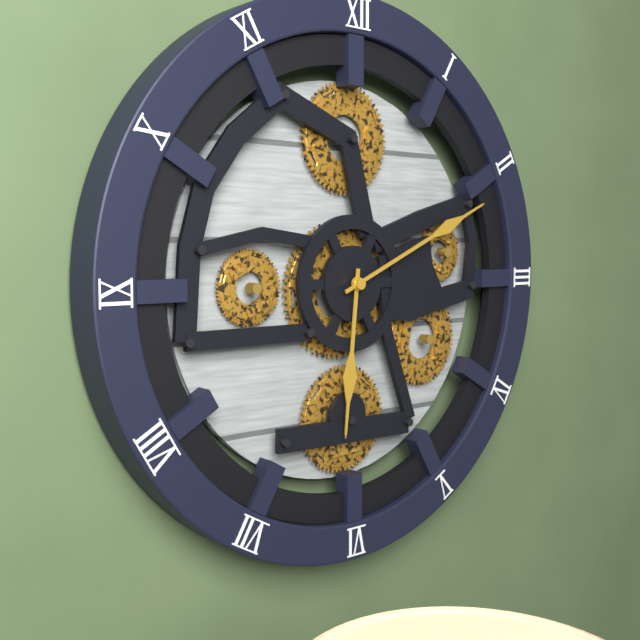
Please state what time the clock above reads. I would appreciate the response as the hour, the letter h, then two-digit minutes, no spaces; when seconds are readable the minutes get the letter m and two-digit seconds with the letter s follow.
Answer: 6h11
